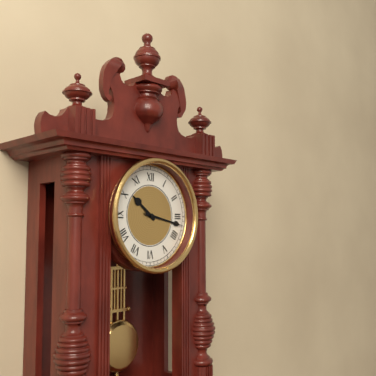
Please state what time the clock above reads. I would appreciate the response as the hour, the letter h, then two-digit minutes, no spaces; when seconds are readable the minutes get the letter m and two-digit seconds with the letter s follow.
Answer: 10h17
